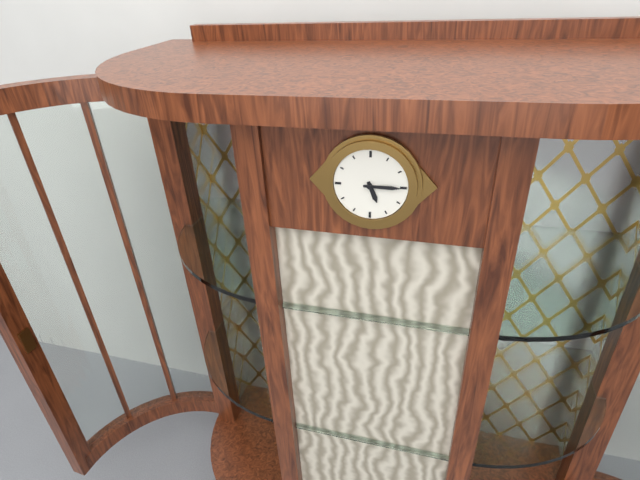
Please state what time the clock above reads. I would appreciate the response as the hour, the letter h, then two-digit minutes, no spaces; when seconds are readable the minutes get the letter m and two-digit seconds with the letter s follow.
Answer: 5h15
